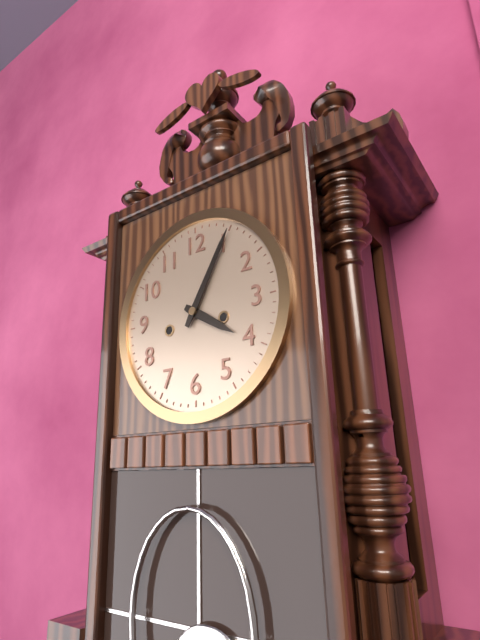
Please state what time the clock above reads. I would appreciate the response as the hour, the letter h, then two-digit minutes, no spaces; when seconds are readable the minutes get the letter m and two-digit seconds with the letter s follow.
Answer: 4h05
